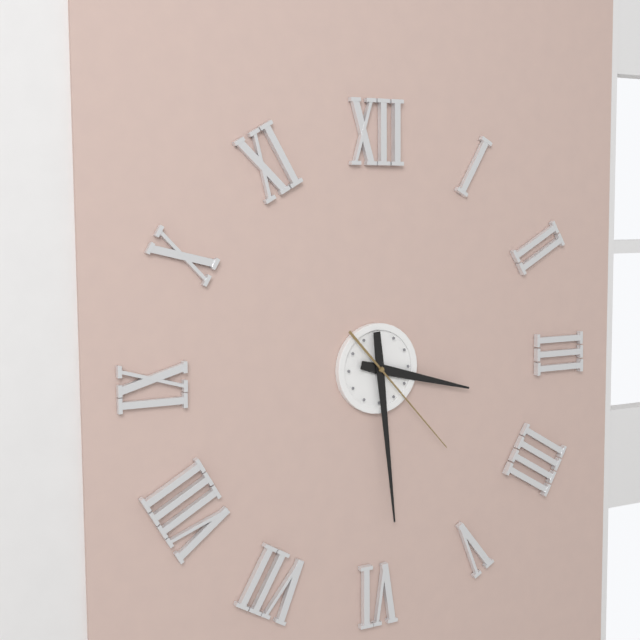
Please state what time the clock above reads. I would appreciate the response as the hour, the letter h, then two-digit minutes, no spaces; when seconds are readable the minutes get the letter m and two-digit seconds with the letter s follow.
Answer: 3h29m23s
